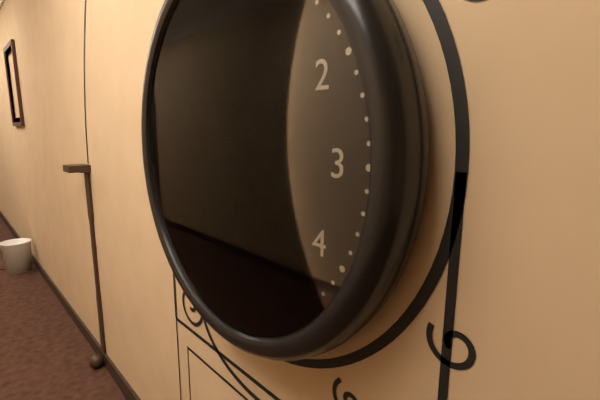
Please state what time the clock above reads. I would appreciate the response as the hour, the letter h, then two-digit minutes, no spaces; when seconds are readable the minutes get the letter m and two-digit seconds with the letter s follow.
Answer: 3h56
